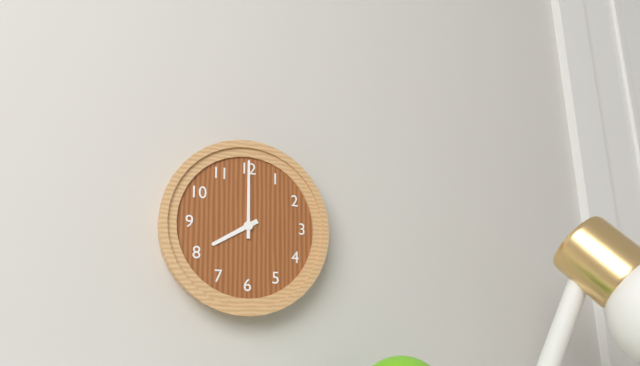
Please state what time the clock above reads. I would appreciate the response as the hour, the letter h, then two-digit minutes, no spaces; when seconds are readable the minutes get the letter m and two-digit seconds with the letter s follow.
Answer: 8h00
